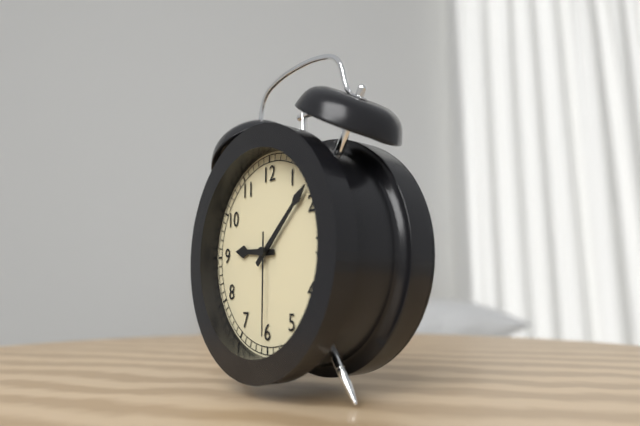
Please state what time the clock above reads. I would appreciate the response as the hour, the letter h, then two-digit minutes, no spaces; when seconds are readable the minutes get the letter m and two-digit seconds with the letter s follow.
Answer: 9h08m30s
